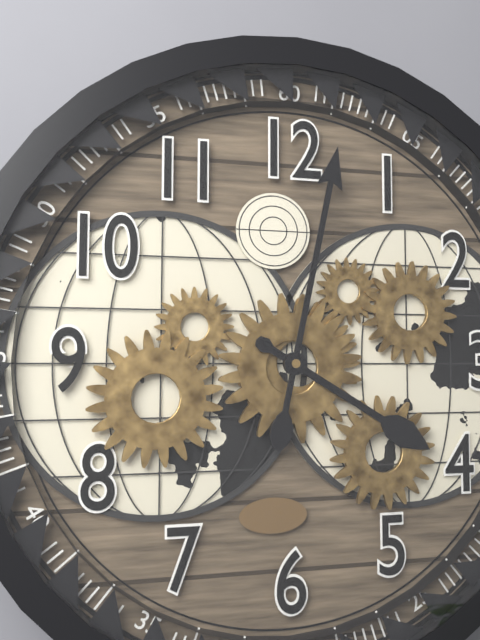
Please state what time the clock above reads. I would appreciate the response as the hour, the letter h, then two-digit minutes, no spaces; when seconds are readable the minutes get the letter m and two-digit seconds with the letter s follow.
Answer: 4h02
